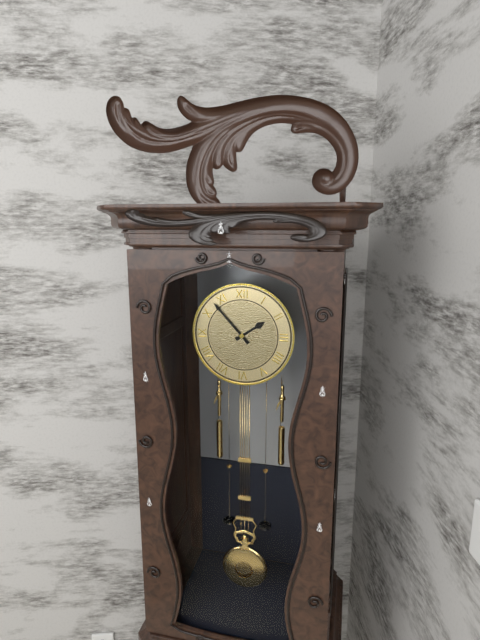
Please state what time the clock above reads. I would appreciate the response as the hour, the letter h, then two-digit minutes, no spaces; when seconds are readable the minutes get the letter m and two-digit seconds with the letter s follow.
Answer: 1h53
